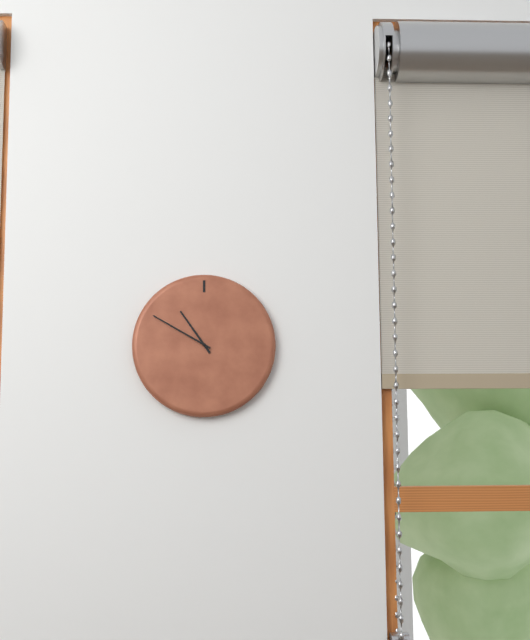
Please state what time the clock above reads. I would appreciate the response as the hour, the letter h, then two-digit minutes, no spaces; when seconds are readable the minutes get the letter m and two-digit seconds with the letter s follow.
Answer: 10h50
